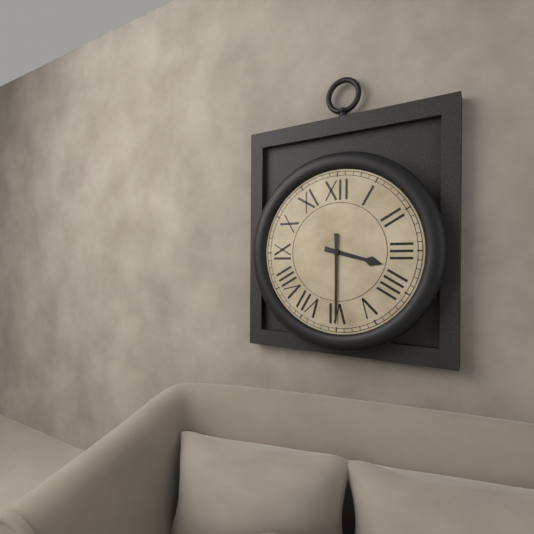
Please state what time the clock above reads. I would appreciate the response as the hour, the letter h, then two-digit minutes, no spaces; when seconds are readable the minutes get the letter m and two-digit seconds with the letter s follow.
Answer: 3h30
